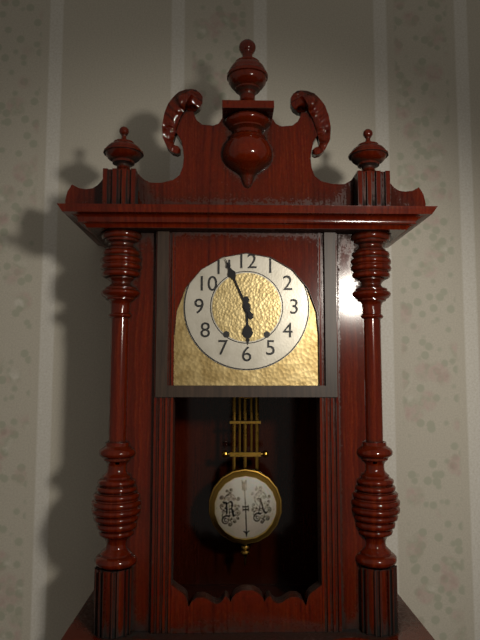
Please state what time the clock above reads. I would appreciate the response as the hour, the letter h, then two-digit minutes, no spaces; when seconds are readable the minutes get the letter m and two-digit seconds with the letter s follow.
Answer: 5h56
